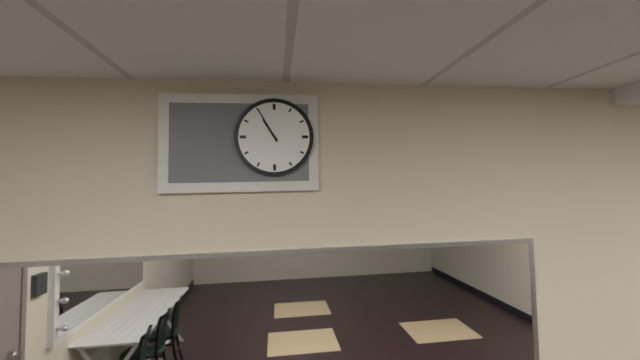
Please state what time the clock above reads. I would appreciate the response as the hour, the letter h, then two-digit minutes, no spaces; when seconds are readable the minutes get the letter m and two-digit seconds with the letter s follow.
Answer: 10h55
